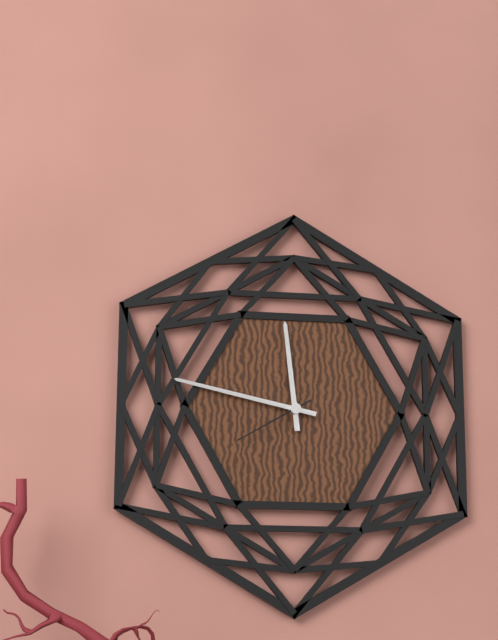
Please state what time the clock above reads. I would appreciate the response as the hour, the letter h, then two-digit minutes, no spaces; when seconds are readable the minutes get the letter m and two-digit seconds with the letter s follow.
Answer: 11h47m40s
